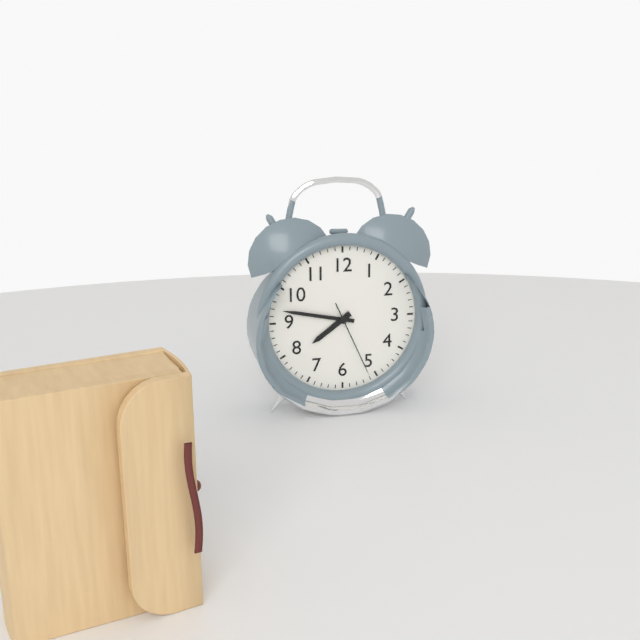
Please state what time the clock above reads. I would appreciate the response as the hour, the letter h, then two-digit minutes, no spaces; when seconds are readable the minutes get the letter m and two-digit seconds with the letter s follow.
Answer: 7h47m26s
